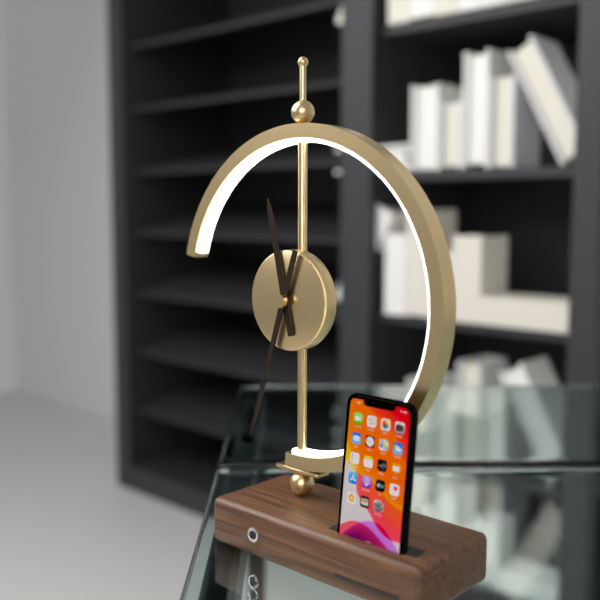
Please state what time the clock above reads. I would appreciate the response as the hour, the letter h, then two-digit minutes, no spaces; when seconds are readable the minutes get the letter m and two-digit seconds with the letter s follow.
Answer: 11h33
